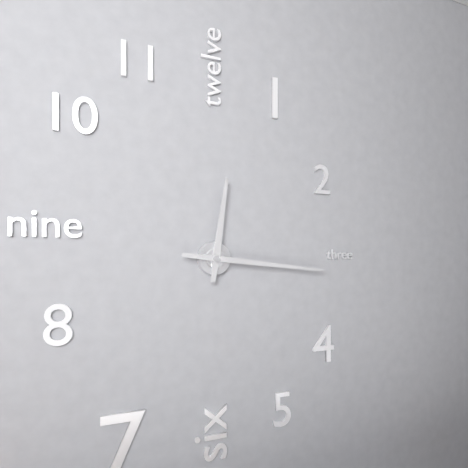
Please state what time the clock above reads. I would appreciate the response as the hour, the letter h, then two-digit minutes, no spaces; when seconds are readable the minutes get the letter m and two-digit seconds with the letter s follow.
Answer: 12h16
